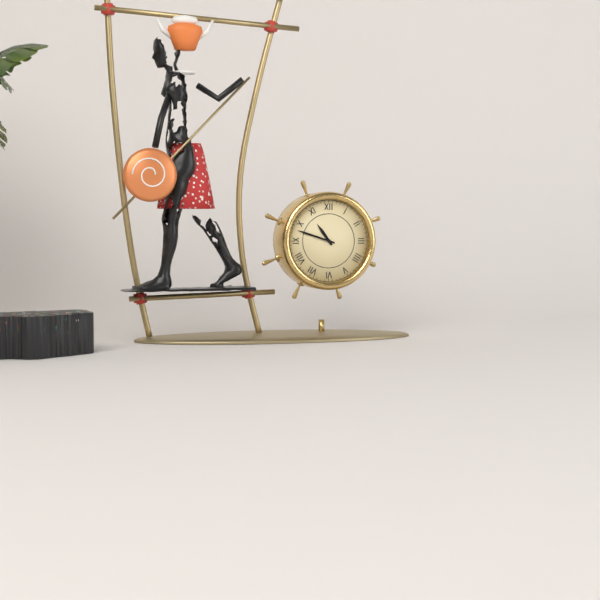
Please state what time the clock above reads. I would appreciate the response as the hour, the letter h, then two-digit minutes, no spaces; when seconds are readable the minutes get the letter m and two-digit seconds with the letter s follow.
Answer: 10h48
